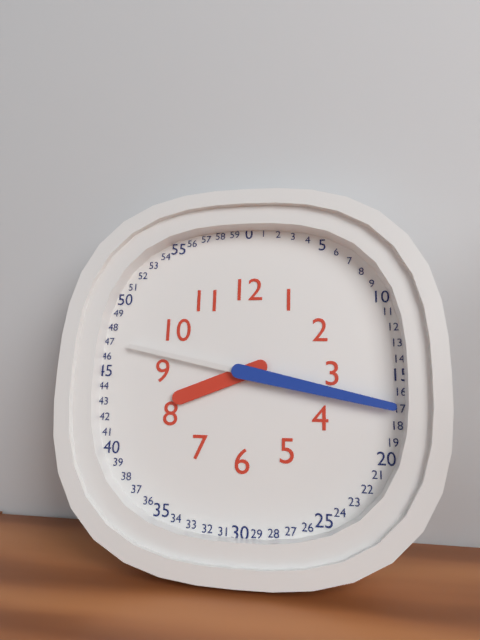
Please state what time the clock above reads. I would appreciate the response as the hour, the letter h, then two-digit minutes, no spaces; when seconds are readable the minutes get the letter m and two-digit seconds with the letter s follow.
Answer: 8h17m47s
